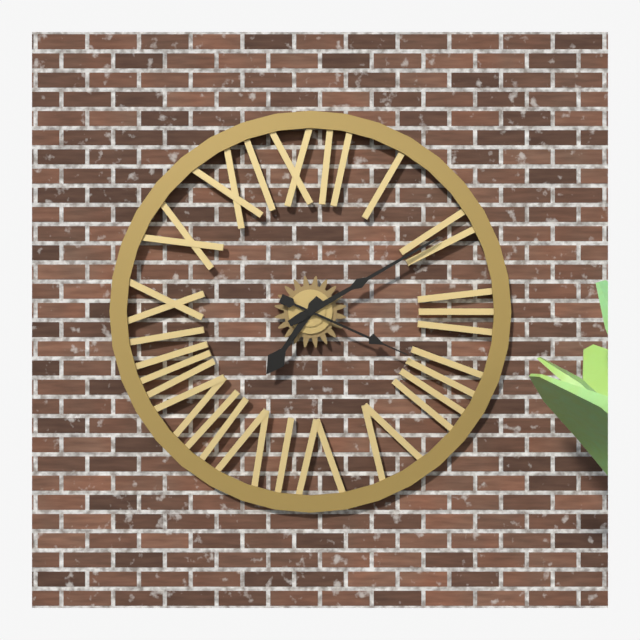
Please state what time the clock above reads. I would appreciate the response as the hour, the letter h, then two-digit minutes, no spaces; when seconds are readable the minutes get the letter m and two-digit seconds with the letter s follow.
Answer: 7h10m19s
